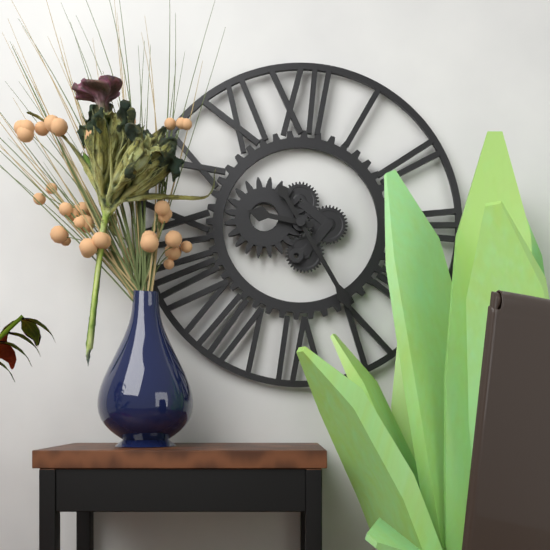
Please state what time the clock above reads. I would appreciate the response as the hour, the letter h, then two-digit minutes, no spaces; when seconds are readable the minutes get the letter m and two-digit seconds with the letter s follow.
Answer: 9h25
